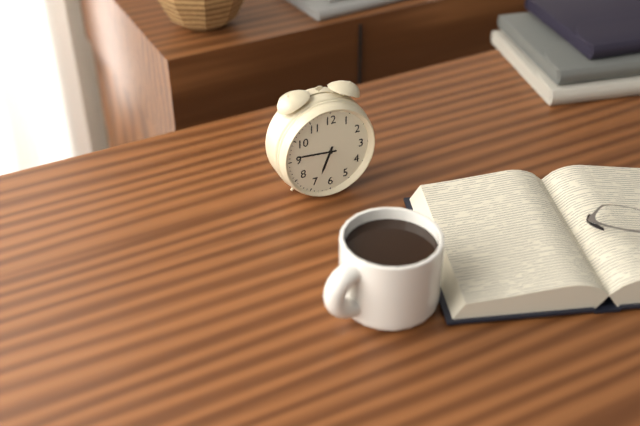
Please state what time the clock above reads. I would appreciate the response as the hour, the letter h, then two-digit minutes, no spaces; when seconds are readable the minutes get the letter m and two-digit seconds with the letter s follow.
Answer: 6h46
